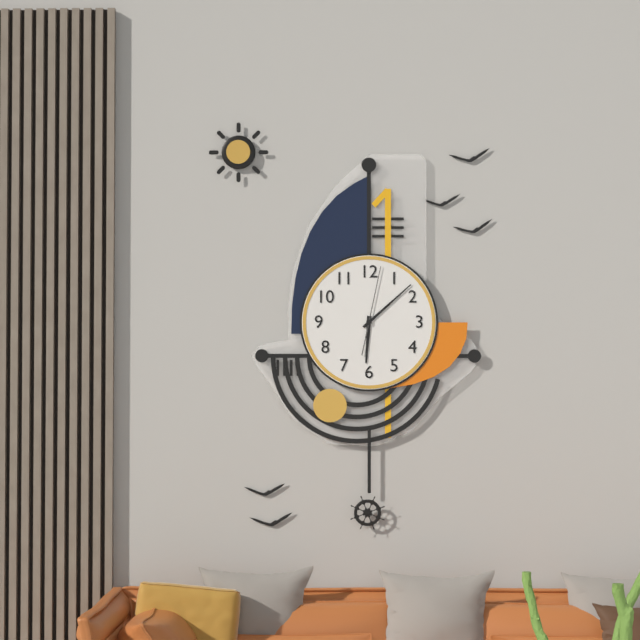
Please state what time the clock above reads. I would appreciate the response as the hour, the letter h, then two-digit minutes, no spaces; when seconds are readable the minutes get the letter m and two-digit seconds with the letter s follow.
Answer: 6h08m02s
